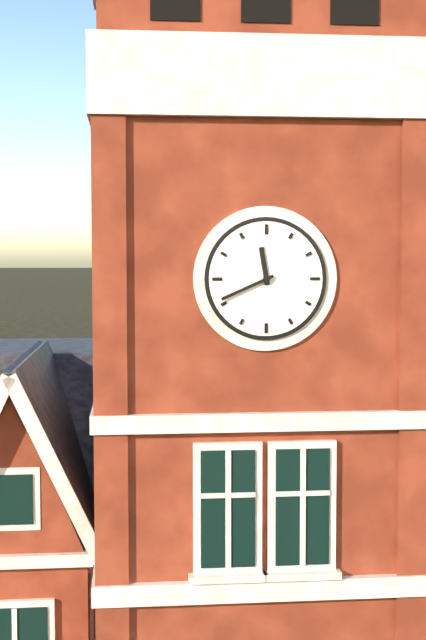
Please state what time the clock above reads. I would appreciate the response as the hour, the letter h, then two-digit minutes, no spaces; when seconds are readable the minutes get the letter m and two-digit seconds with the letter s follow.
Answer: 11h41
